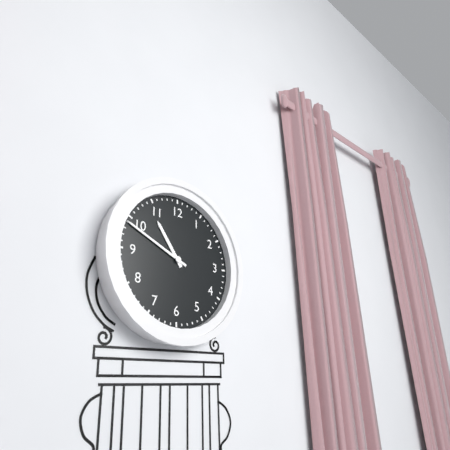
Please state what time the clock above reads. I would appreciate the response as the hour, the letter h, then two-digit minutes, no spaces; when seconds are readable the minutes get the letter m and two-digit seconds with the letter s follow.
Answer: 10h49
